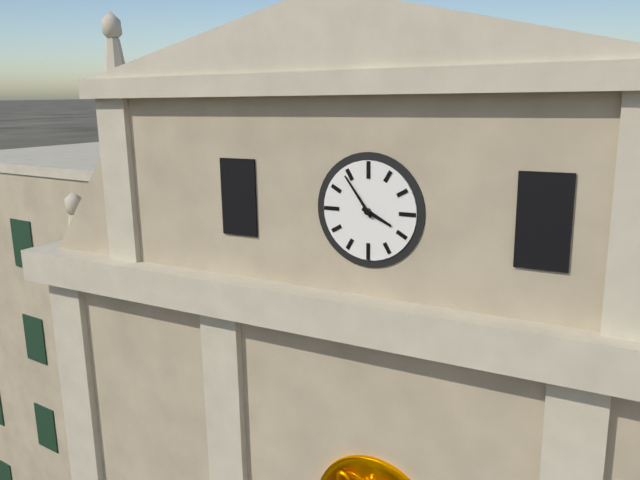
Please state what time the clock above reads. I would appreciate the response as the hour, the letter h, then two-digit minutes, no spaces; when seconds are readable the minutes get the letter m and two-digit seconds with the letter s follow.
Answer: 3h54
